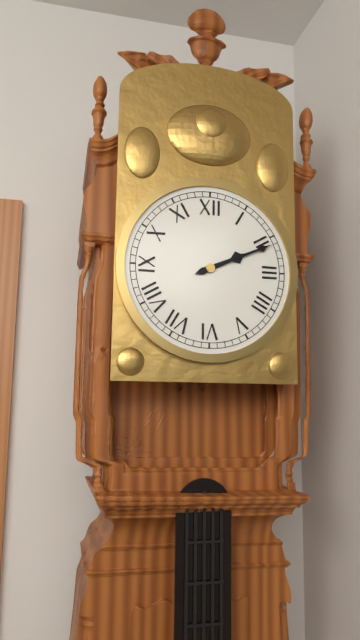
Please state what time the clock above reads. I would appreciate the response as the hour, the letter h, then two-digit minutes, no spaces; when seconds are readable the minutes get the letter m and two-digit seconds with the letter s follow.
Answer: 2h11
